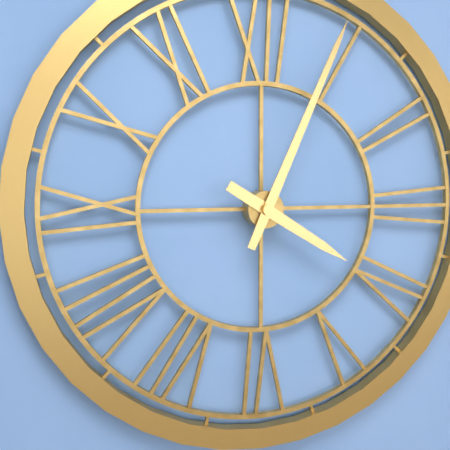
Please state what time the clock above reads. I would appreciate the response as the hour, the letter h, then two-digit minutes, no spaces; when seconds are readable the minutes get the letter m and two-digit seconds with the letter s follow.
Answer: 4h04
